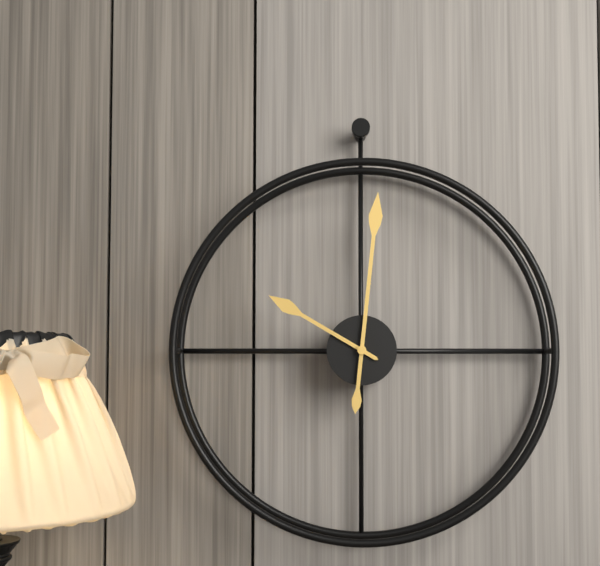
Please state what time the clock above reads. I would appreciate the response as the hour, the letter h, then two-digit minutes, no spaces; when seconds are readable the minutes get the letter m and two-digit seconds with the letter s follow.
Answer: 10h01
